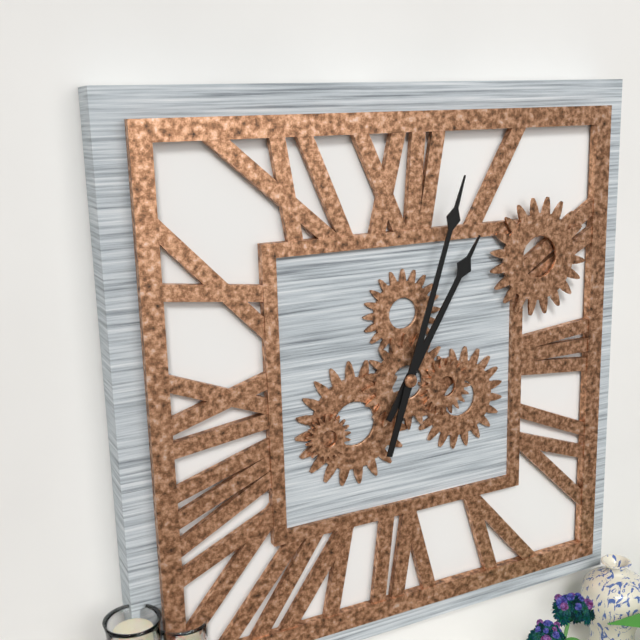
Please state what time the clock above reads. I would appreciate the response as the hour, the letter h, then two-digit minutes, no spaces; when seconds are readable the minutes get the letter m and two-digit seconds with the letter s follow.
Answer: 1h03
